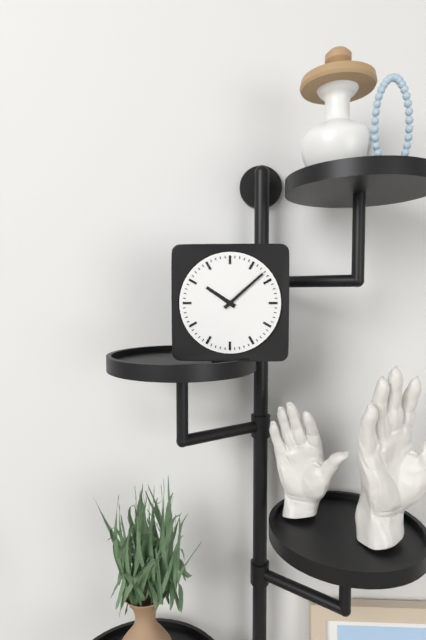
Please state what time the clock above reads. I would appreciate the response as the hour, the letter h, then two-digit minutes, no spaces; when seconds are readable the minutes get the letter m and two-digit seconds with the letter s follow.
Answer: 10h08
